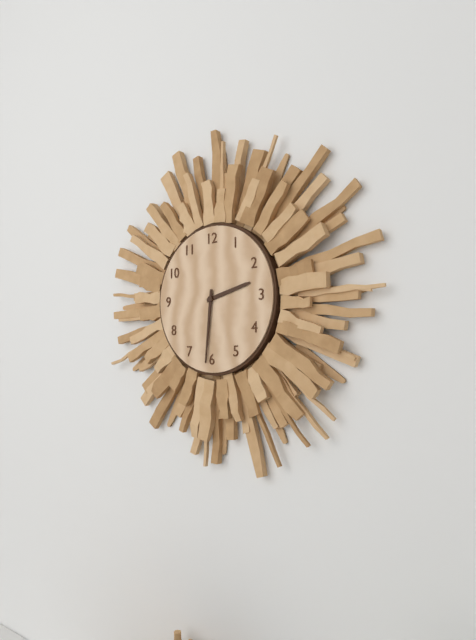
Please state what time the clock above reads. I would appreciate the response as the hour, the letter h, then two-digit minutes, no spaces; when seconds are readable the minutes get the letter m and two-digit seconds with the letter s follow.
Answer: 2h31
